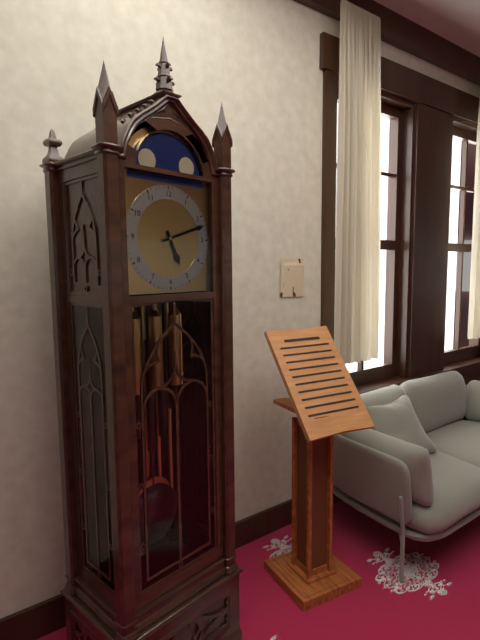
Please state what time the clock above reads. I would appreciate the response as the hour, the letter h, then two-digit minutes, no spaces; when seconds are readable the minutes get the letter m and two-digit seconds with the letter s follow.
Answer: 5h12
